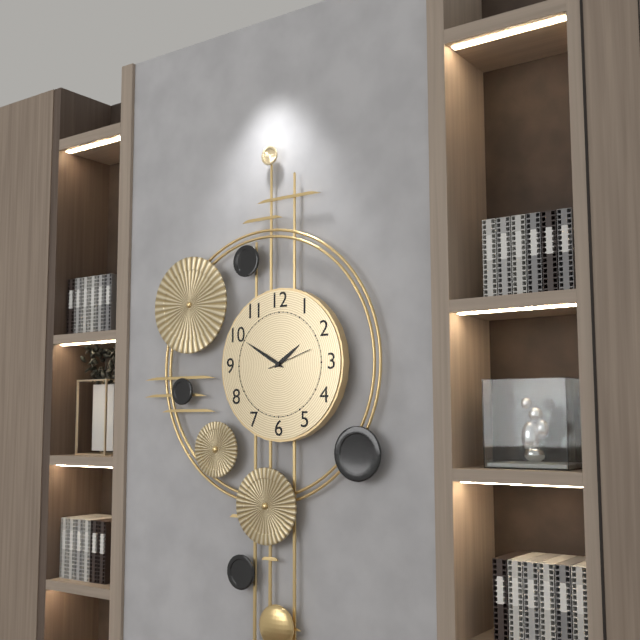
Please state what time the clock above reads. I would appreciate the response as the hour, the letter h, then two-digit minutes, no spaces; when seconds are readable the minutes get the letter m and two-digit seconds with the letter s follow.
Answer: 1h50
